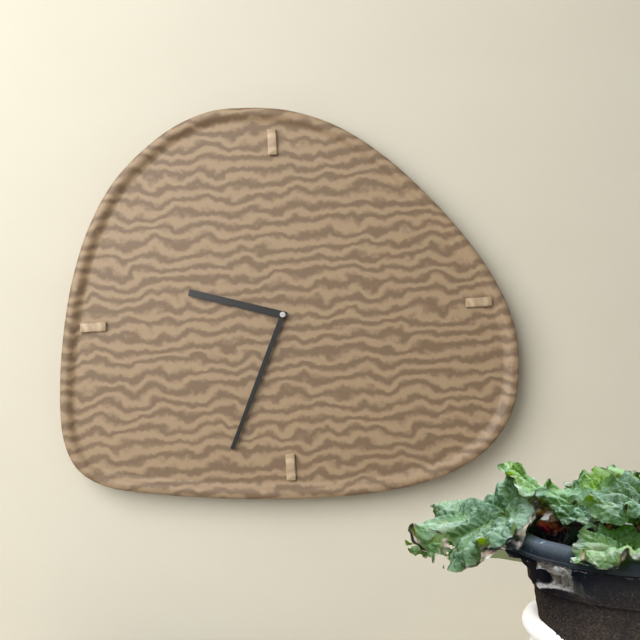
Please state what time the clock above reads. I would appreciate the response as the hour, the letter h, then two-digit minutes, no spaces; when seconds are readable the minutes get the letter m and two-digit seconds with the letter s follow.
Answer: 9h34
